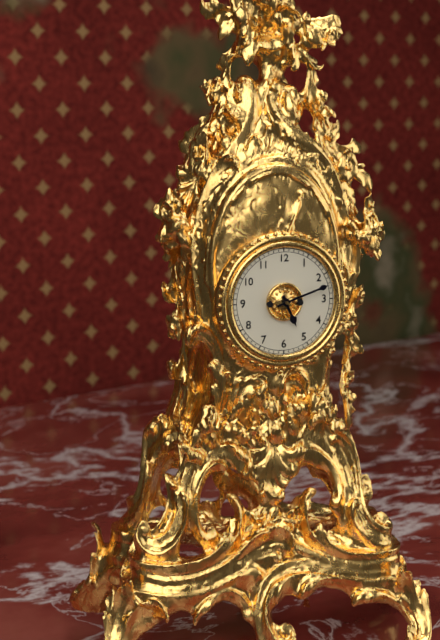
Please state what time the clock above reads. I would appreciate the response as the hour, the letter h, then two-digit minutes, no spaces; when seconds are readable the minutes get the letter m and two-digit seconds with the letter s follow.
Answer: 5h12
